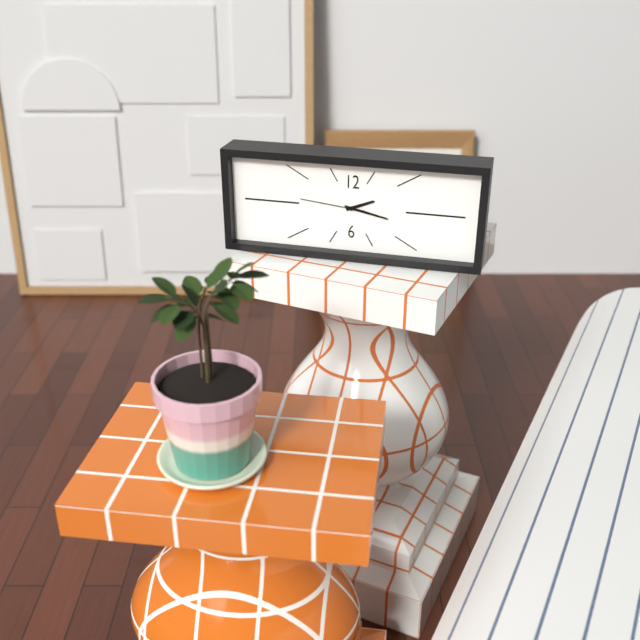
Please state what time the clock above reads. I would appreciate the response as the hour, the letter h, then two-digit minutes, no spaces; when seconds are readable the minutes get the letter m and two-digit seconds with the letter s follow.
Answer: 2h17m46s
